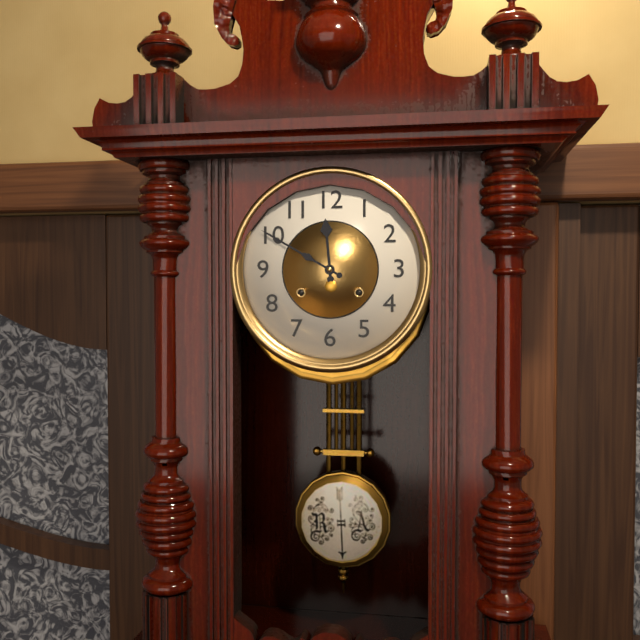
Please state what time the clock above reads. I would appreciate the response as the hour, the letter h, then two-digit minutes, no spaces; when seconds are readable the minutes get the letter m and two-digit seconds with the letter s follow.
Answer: 11h50
